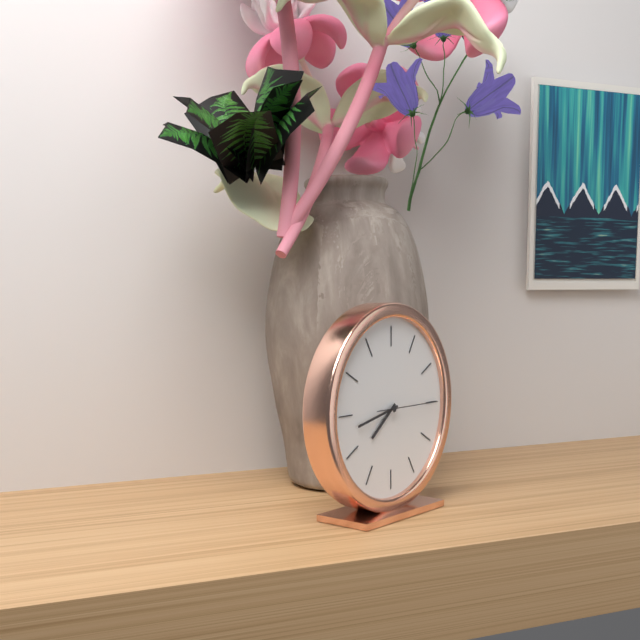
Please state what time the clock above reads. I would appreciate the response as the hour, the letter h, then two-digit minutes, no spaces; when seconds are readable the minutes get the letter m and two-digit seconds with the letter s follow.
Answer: 7h43m15s
